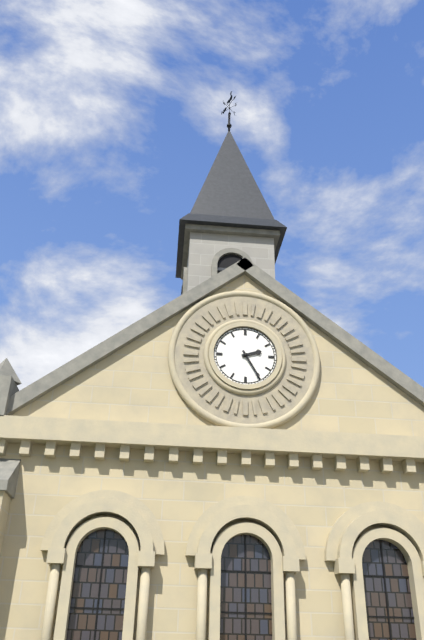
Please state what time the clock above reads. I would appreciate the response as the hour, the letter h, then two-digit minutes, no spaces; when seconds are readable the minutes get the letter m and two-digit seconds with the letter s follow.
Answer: 2h25
